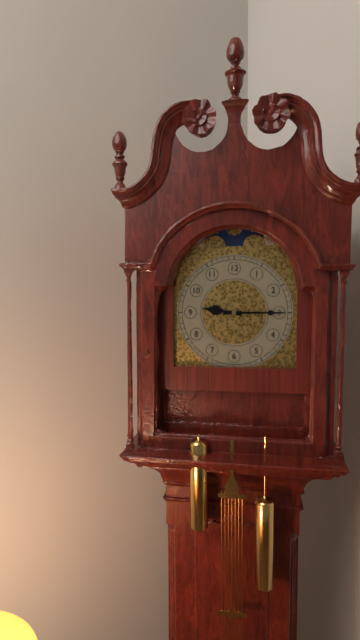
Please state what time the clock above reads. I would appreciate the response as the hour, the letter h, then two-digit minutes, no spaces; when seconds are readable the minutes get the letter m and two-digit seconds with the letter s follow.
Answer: 9h15
